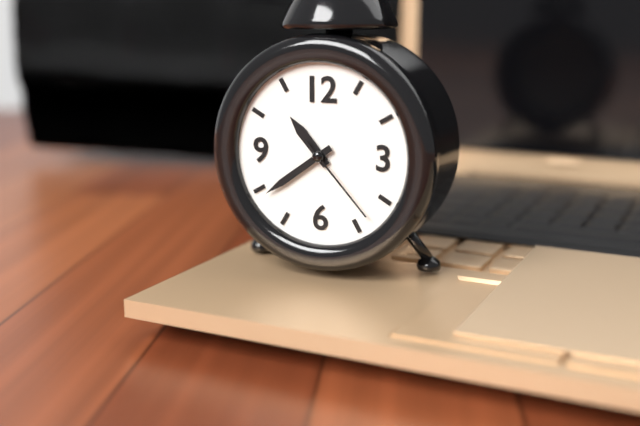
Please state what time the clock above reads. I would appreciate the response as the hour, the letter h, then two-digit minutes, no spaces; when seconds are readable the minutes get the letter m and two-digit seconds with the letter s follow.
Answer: 10h39m23s
